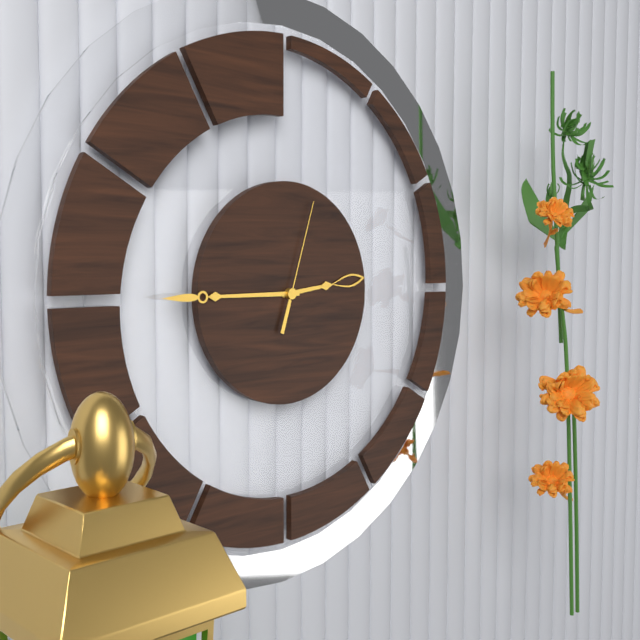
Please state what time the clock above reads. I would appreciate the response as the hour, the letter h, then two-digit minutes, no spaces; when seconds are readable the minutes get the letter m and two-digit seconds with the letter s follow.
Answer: 2h45m03s
